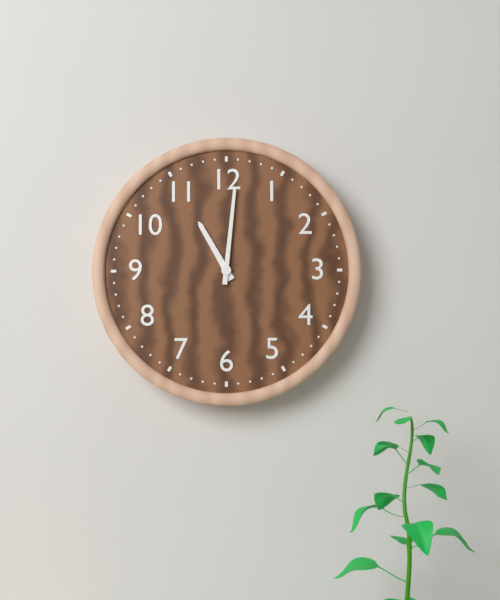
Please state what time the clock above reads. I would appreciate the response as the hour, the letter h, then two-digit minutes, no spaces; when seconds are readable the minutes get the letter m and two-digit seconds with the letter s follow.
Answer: 11h01
